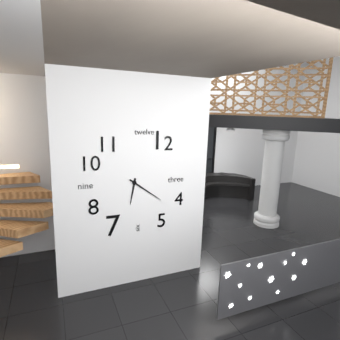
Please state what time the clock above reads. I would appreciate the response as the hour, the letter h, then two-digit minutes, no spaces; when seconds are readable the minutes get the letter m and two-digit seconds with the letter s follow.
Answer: 6h21
